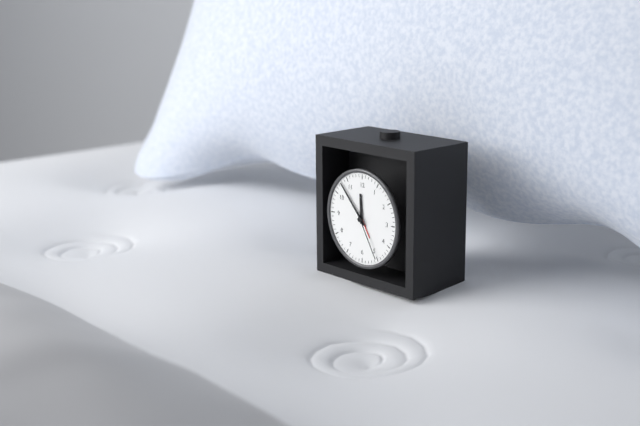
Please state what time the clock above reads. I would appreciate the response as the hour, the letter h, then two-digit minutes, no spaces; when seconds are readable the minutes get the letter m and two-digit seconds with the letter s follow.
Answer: 11h53m25s
